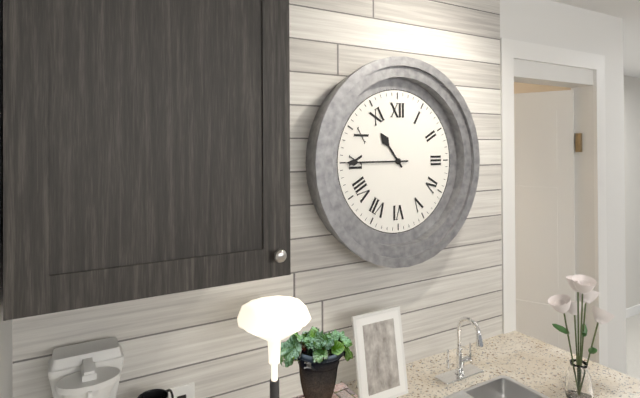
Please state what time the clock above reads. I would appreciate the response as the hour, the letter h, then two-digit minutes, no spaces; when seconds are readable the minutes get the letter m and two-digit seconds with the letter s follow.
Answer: 10h45
